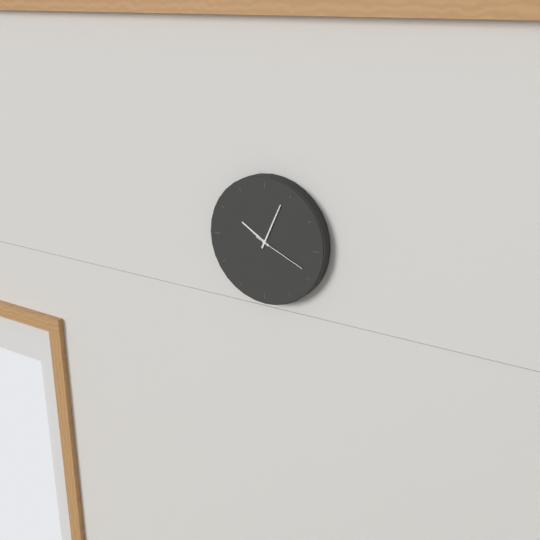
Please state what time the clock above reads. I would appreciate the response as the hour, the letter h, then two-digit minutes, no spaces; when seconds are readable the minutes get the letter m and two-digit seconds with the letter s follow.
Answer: 10h04m19s
